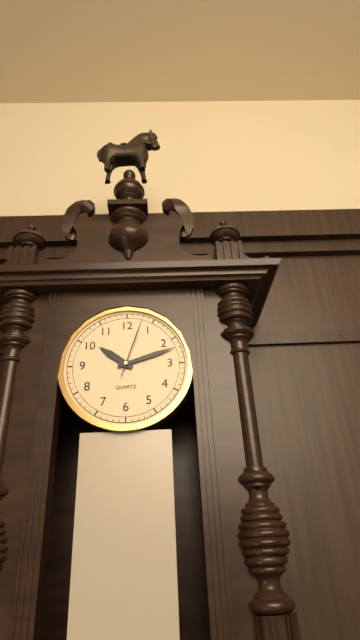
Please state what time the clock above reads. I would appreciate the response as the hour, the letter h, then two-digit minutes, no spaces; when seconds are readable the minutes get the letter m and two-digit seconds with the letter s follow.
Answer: 10h12m03s
